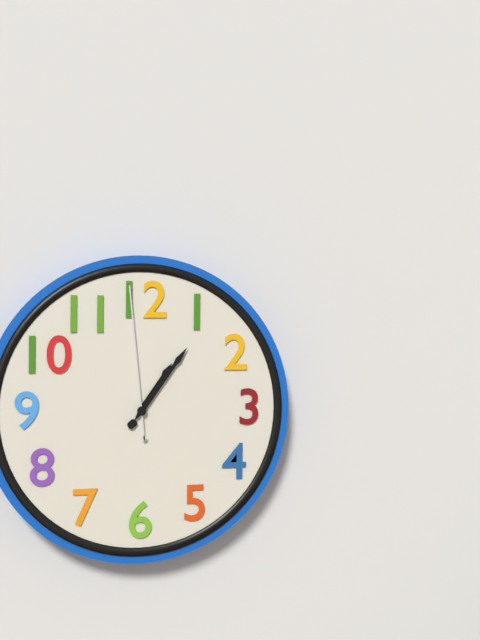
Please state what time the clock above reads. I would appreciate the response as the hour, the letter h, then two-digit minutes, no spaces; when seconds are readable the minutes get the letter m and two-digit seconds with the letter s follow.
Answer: 1h06m59s
